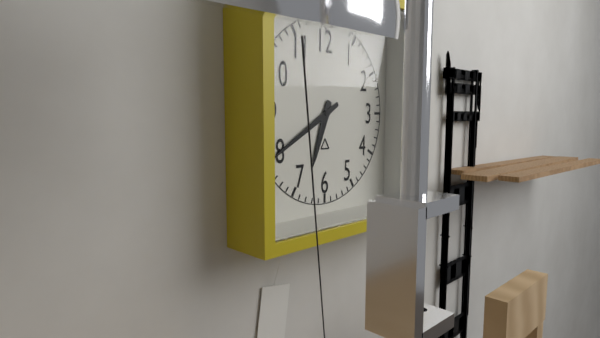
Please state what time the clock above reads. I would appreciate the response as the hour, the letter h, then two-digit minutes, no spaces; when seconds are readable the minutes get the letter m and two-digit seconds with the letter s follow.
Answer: 6h40
